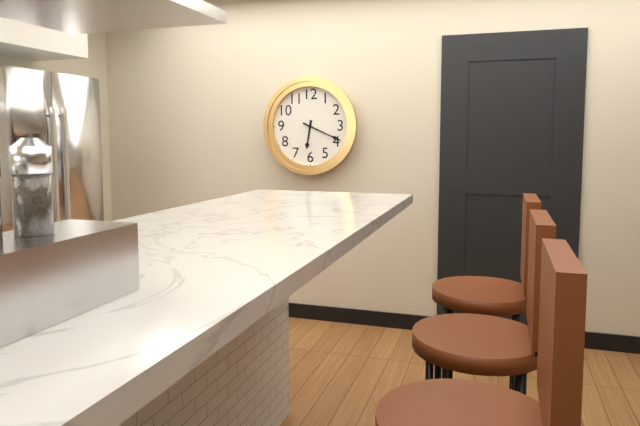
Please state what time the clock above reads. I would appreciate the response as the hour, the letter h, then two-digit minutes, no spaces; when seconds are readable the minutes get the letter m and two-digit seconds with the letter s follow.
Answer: 6h19
